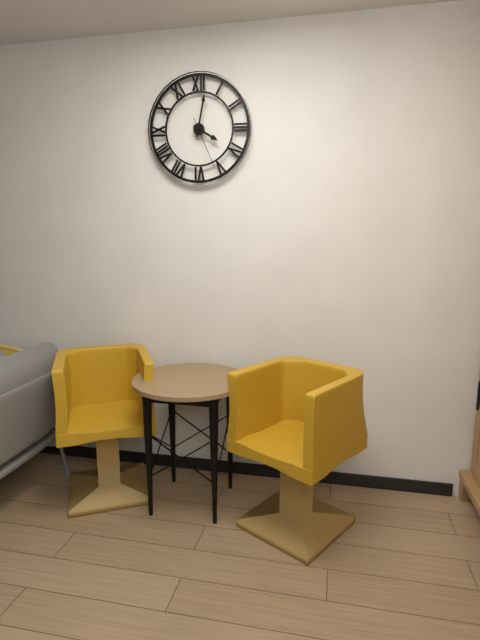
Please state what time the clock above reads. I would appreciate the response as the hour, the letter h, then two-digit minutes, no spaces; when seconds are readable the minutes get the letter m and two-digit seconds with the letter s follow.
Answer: 4h02
